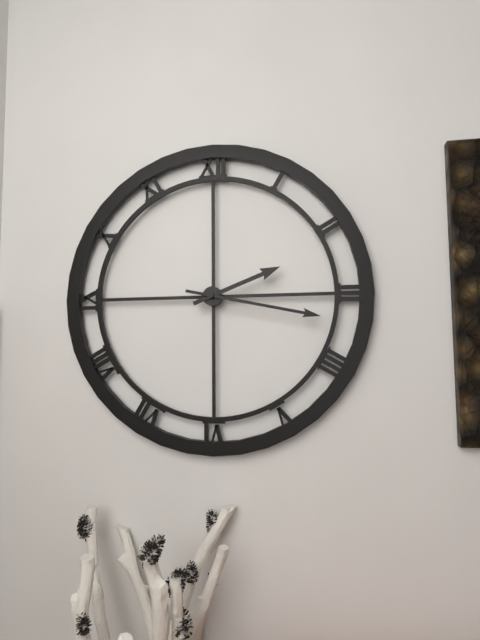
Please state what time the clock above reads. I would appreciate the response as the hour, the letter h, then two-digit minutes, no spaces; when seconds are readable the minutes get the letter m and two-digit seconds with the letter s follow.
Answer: 2h17
